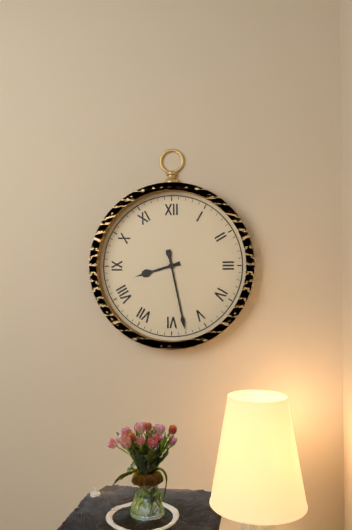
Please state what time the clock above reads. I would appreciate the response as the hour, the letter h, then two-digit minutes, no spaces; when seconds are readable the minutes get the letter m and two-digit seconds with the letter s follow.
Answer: 8h28
